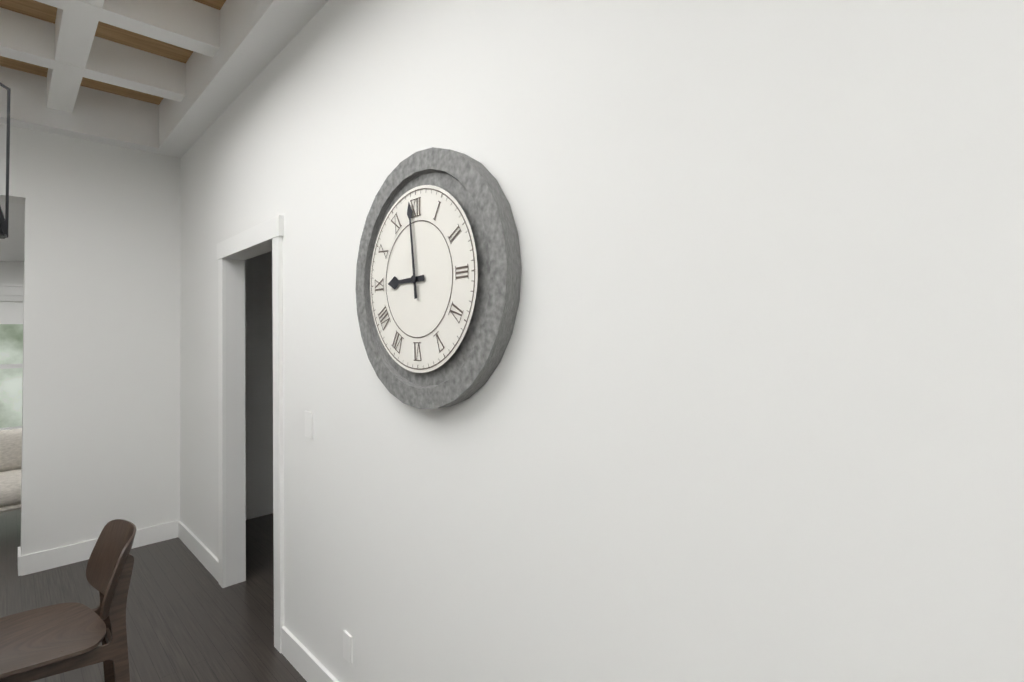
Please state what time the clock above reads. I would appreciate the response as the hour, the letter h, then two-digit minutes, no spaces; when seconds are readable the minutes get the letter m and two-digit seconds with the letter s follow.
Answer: 8h59
